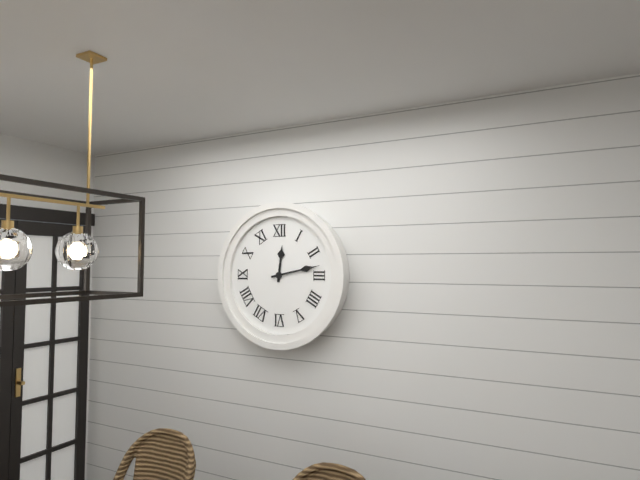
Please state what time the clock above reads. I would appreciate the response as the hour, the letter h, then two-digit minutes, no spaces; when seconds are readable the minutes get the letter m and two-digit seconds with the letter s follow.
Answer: 12h13
